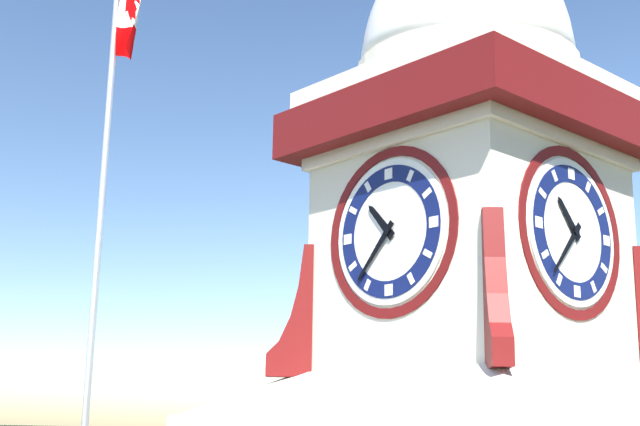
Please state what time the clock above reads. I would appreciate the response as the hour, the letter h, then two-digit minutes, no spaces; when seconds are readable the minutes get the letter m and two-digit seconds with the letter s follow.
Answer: 10h37
